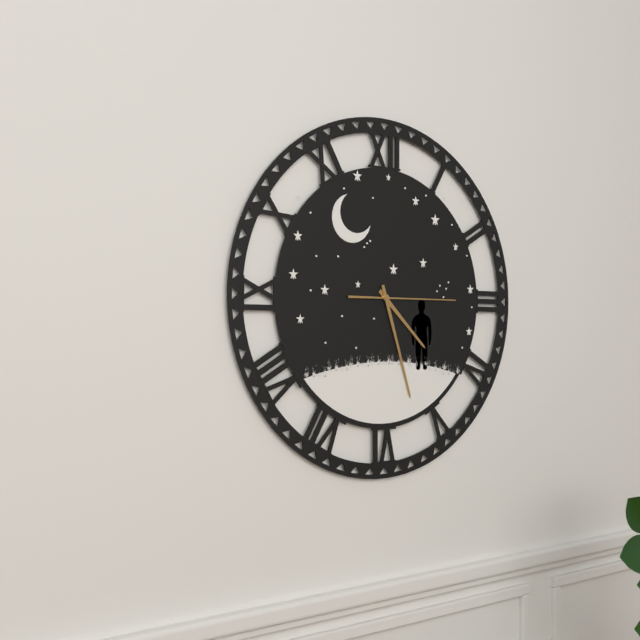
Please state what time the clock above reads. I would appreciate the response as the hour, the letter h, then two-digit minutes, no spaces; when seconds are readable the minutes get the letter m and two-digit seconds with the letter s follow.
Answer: 4h27m15s
